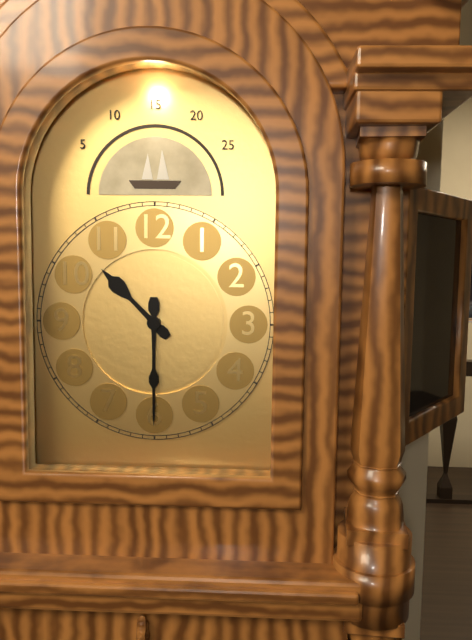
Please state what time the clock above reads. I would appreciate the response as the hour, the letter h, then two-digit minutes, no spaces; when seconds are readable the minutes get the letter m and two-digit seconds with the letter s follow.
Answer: 10h30
